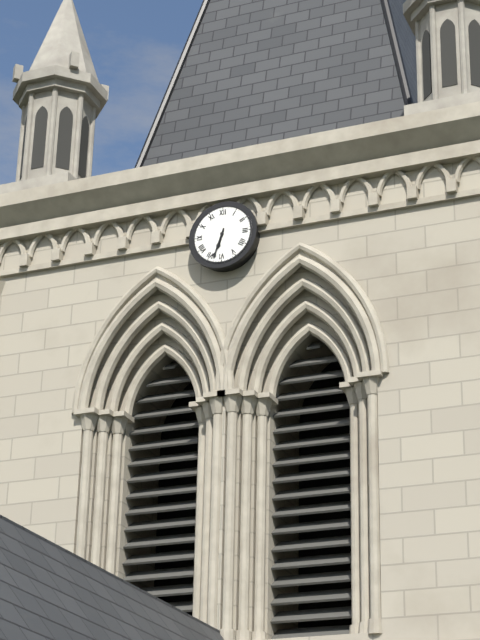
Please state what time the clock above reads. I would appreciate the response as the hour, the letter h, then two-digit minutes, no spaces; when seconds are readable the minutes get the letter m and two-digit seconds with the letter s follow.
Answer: 6h33
